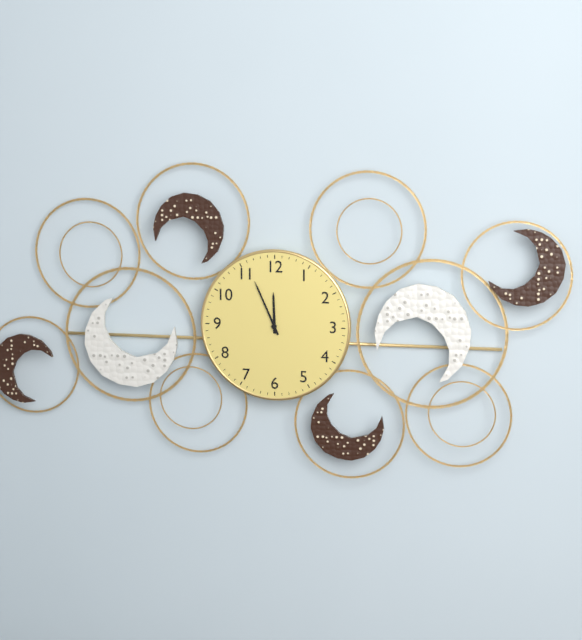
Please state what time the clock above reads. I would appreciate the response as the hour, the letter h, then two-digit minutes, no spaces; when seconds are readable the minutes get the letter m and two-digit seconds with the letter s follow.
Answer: 11h56
